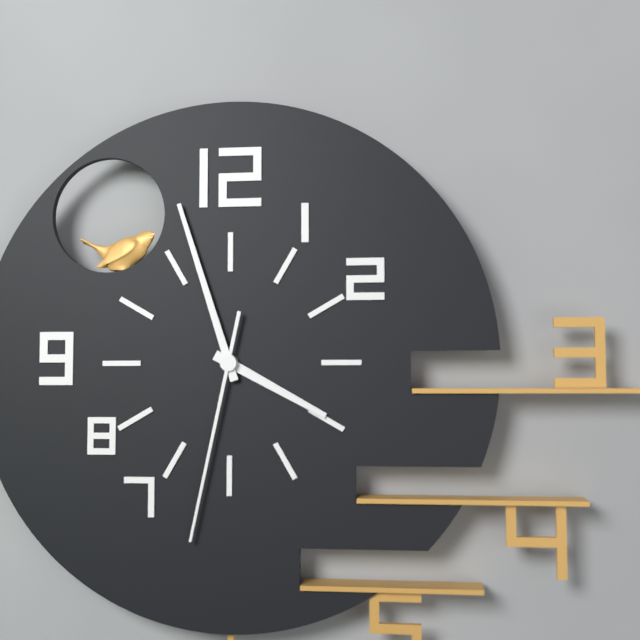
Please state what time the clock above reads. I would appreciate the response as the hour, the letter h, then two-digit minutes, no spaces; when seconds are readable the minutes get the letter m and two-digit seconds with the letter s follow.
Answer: 3h57m32s
